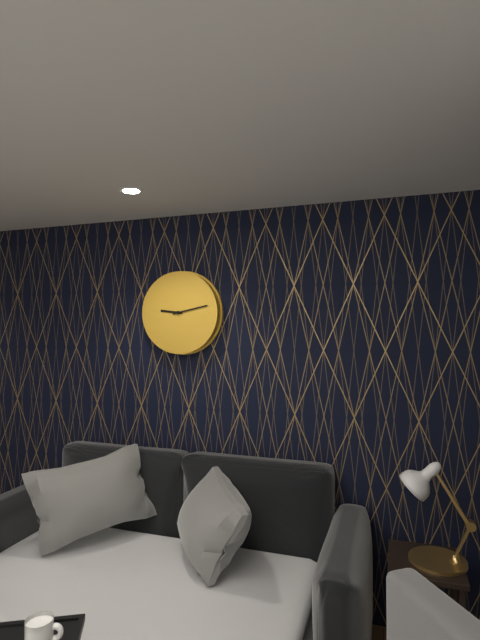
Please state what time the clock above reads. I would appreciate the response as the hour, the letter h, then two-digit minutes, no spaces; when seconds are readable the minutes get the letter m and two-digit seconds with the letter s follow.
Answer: 9h13
